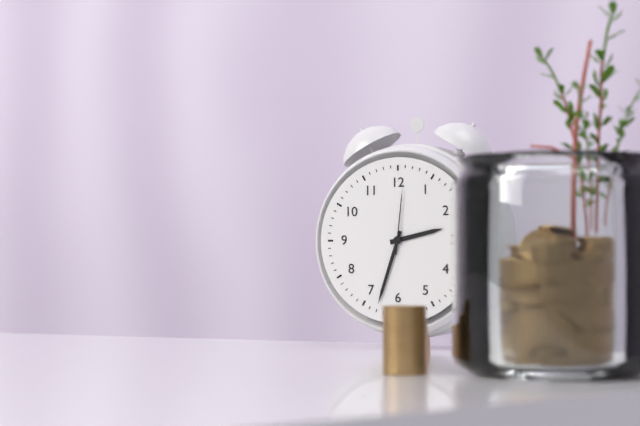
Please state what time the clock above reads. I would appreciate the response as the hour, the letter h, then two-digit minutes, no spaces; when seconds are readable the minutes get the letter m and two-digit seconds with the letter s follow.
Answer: 2h33m01s
